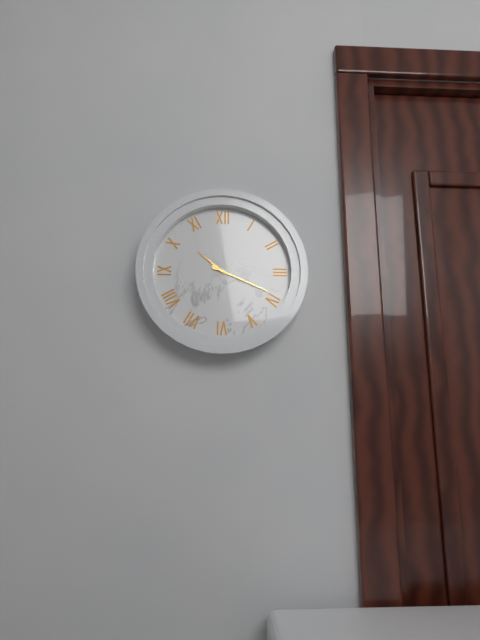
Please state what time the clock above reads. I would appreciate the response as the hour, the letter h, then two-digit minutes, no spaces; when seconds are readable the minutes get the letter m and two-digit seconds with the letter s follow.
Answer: 10h19
